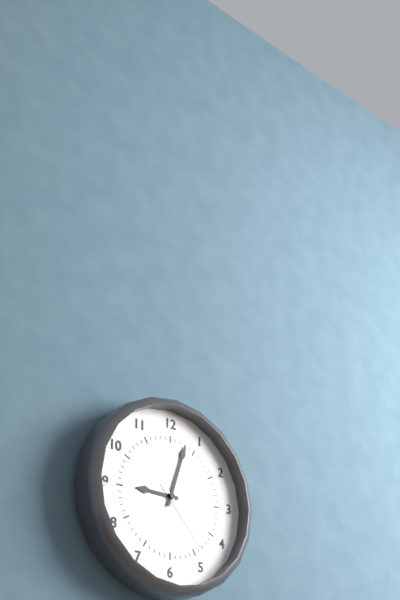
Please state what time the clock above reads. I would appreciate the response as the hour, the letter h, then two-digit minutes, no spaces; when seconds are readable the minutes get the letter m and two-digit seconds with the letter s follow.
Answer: 9h03m23s
